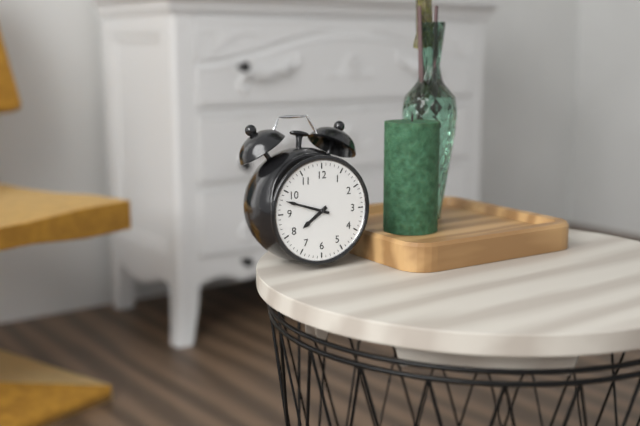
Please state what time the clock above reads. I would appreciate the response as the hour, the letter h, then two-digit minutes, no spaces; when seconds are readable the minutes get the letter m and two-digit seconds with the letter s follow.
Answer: 7h48
